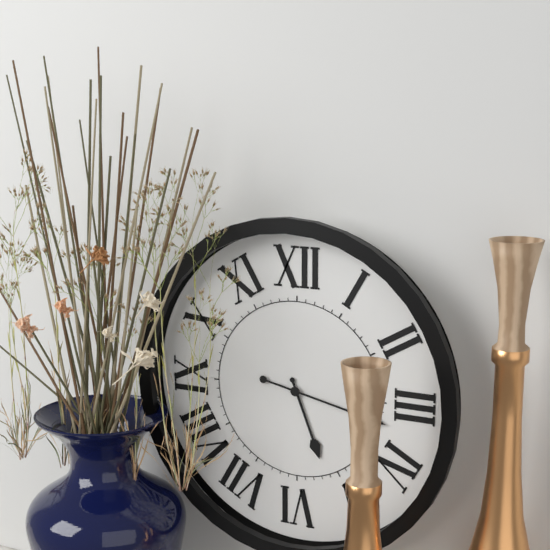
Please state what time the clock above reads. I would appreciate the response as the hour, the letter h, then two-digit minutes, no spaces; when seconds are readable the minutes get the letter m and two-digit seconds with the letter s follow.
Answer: 5h17
